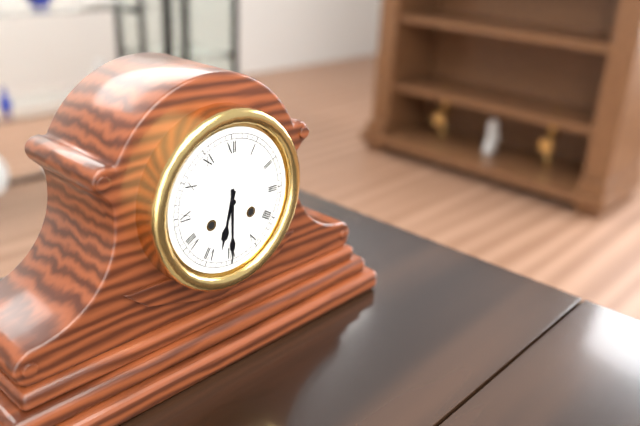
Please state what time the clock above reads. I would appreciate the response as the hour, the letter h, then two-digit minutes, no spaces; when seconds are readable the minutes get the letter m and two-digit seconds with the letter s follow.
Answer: 6h30
